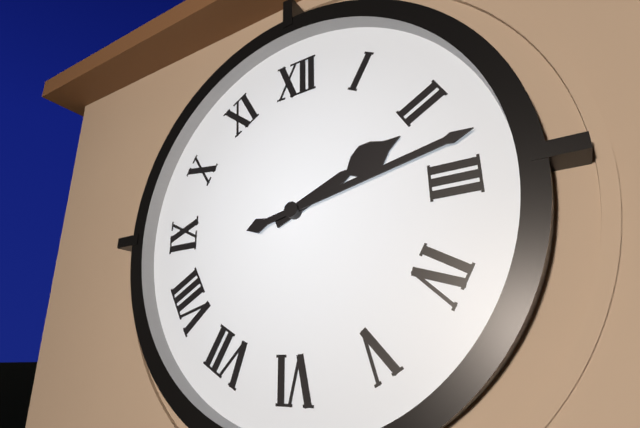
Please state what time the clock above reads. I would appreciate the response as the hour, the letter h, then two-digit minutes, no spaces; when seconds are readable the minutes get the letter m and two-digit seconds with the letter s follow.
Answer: 2h13
